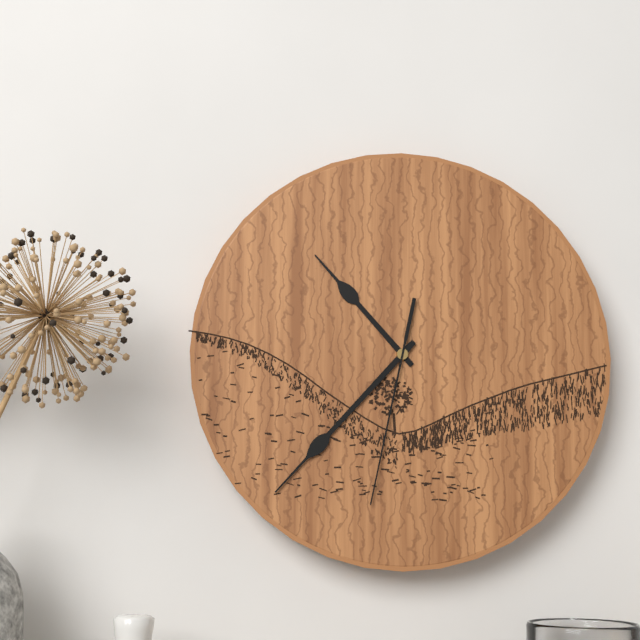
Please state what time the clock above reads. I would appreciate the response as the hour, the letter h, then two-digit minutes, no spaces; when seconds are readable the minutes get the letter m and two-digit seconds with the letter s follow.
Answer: 10h37m32s
